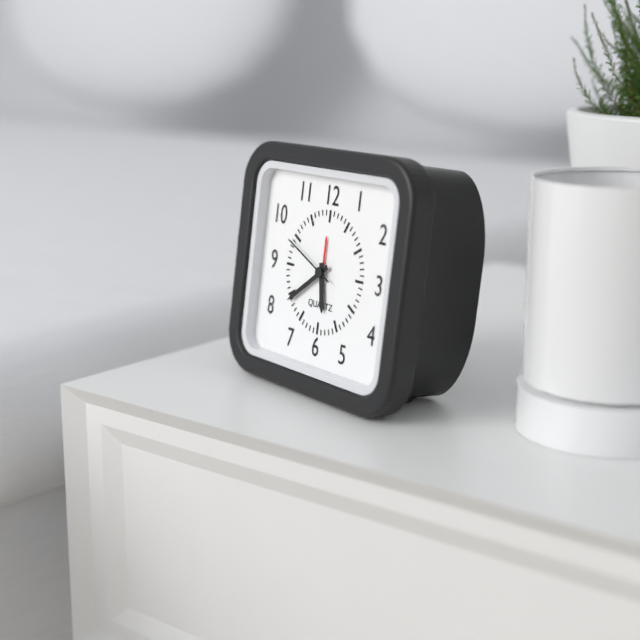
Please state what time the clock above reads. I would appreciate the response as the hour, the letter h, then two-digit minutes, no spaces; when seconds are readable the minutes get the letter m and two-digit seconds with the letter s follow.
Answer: 5h39m49s
